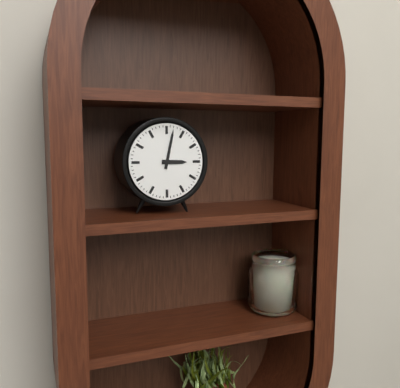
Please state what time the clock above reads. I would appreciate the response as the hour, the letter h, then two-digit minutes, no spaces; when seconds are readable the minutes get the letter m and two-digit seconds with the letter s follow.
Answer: 3h02
